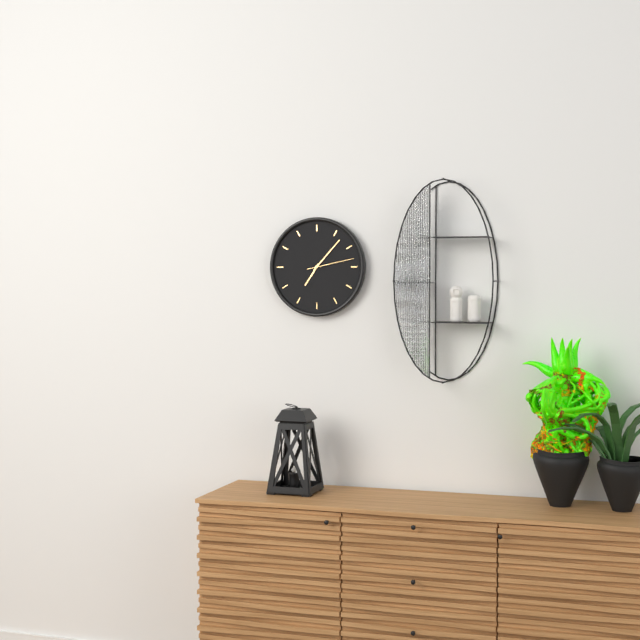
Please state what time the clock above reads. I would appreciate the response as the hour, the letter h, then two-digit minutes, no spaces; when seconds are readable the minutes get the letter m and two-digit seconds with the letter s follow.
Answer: 7h07
